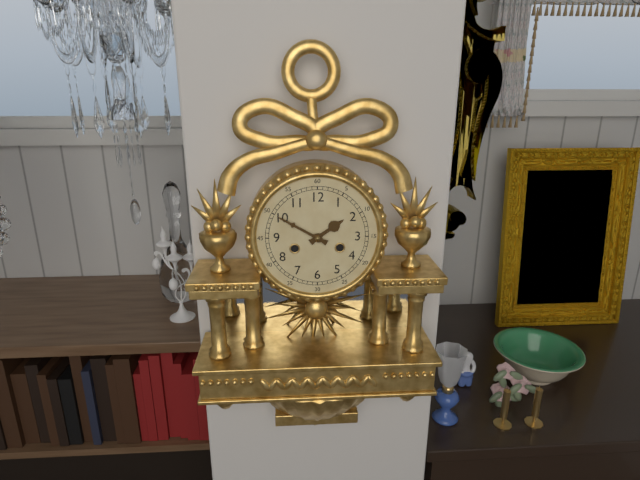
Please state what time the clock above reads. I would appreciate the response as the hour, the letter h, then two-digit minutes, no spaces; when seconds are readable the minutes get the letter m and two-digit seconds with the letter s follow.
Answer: 1h50
